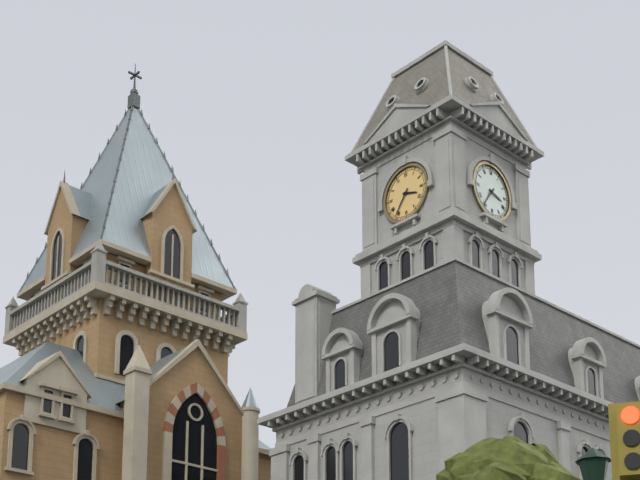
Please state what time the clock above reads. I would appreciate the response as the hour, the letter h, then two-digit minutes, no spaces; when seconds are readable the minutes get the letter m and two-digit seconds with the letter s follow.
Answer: 3h36
